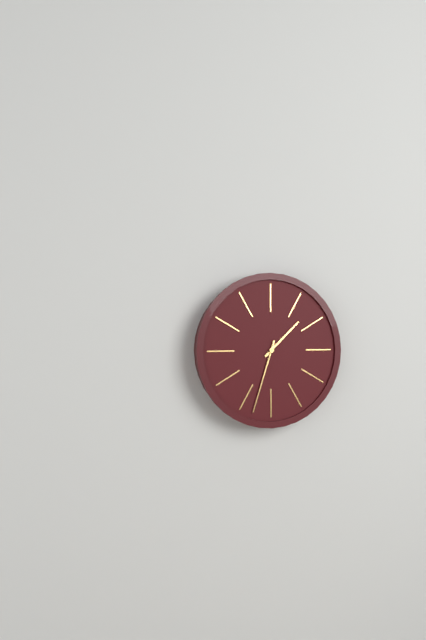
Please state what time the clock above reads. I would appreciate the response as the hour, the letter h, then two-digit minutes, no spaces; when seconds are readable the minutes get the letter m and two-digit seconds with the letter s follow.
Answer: 1h33
